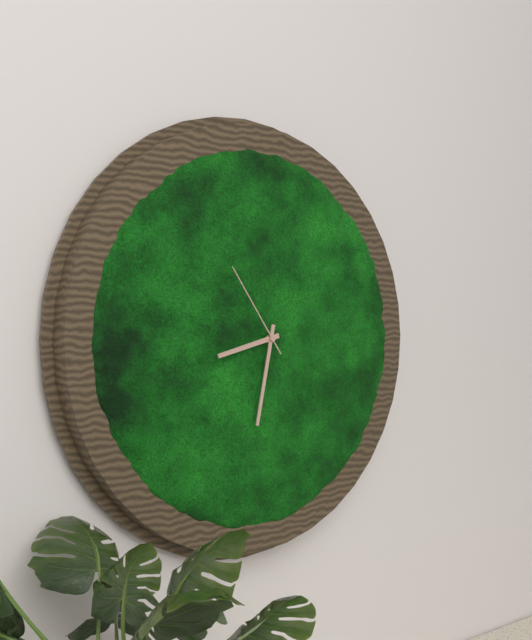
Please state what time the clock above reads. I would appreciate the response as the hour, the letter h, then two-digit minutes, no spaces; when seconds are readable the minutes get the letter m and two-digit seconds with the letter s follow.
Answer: 8h32m54s
